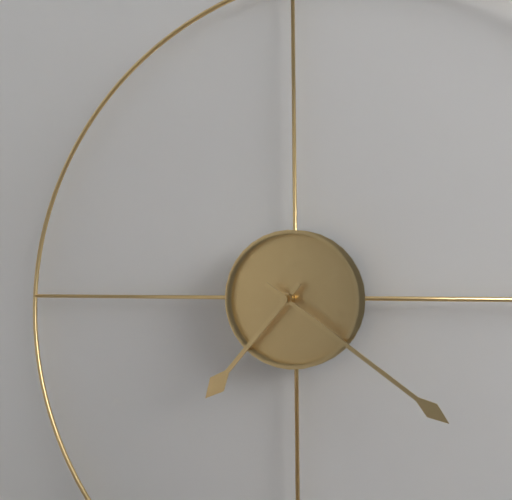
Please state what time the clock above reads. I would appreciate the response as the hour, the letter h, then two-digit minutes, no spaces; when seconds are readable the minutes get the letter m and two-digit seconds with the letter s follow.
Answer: 7h21
